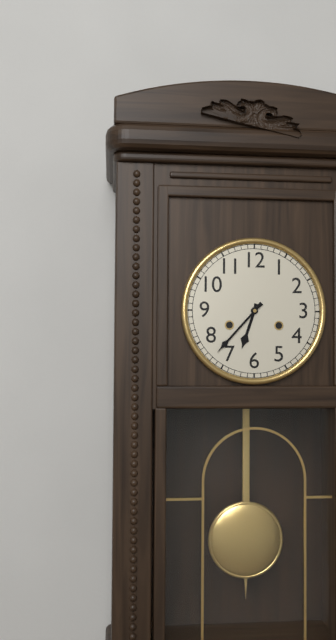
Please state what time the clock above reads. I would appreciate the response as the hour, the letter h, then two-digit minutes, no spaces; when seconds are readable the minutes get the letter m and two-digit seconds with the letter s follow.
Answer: 6h37
